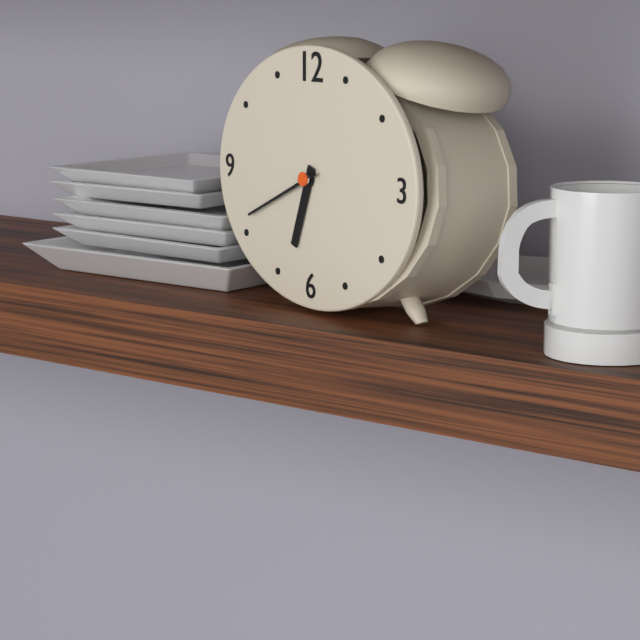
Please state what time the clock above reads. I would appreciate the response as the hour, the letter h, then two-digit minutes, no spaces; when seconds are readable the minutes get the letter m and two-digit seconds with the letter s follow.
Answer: 6h41
